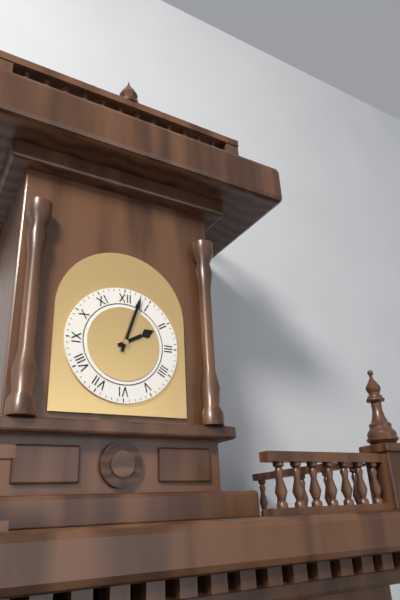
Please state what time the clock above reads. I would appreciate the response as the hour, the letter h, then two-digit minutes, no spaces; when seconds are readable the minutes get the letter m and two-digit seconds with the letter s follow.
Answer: 2h03
